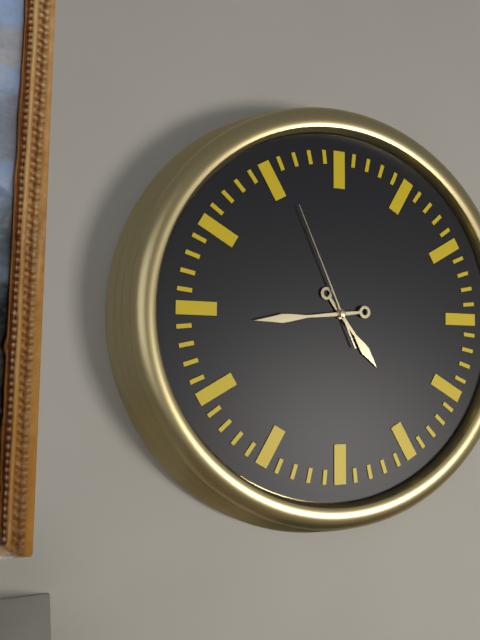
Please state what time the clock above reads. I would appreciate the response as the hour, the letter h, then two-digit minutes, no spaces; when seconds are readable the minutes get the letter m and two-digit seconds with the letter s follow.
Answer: 4h44m56s
